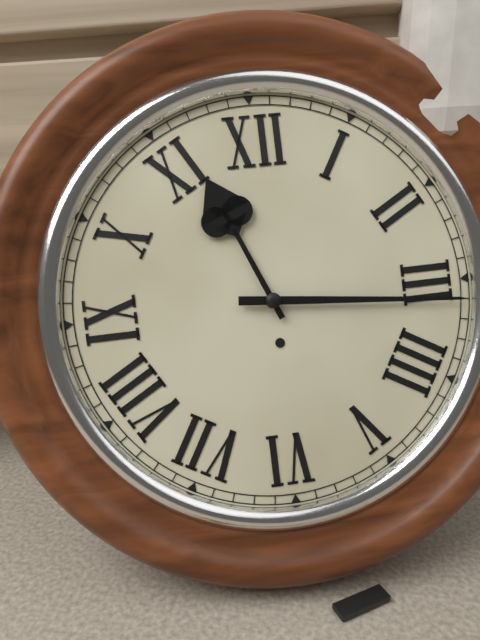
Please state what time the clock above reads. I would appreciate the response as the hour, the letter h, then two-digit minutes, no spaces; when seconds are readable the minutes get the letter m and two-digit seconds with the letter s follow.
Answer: 11h16
